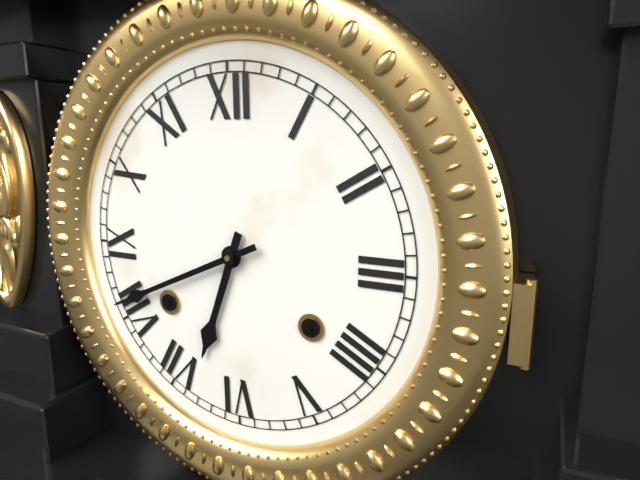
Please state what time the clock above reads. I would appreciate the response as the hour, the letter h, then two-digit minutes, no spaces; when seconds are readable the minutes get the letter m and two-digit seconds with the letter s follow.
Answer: 6h41
